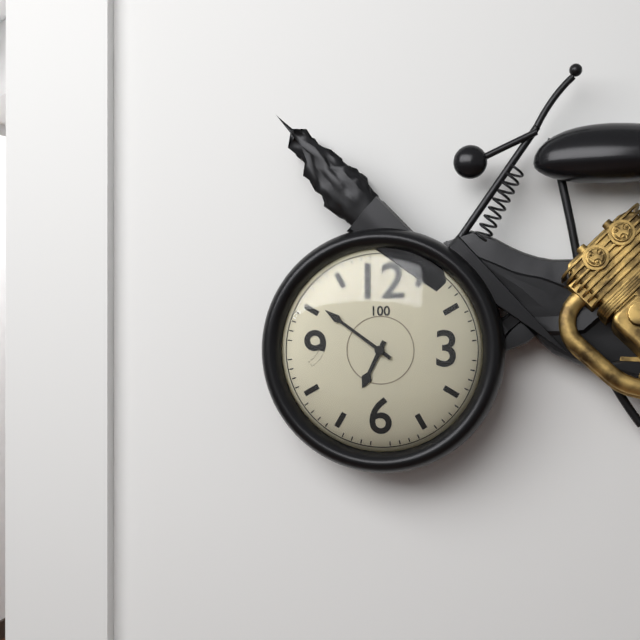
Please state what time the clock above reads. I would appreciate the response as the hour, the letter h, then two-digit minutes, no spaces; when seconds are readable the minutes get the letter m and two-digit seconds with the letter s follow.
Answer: 6h51
